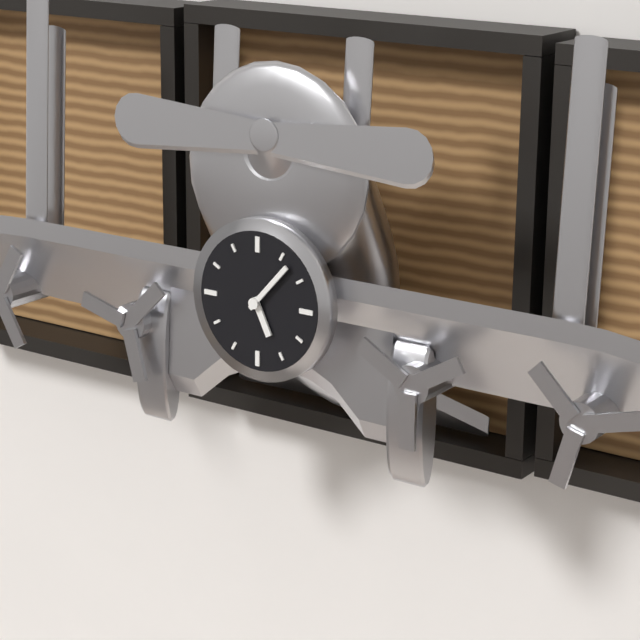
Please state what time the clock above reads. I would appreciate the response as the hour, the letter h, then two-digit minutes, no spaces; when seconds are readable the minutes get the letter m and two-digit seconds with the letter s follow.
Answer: 5h07
